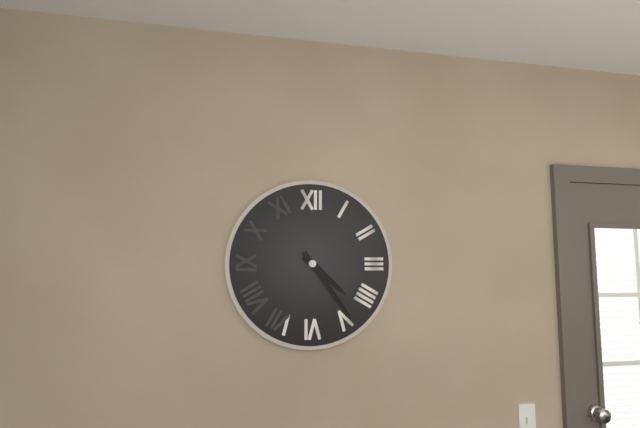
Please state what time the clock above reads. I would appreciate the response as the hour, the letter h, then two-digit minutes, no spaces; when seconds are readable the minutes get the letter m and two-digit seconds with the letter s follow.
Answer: 4h24
